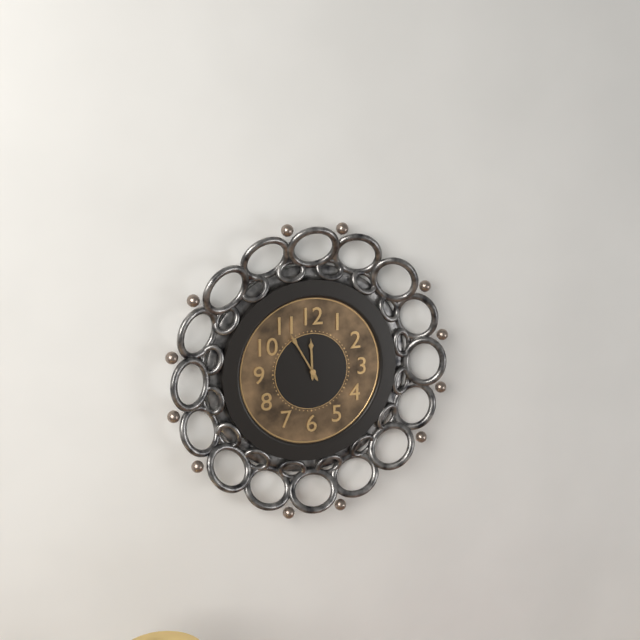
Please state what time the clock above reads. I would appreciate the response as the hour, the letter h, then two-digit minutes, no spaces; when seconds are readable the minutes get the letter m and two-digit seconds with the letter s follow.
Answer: 11h55
